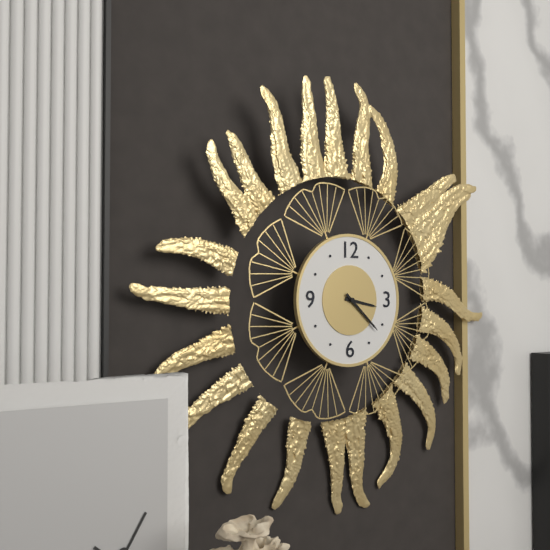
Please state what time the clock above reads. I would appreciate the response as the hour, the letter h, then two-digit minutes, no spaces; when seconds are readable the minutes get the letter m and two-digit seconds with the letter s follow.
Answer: 3h22
